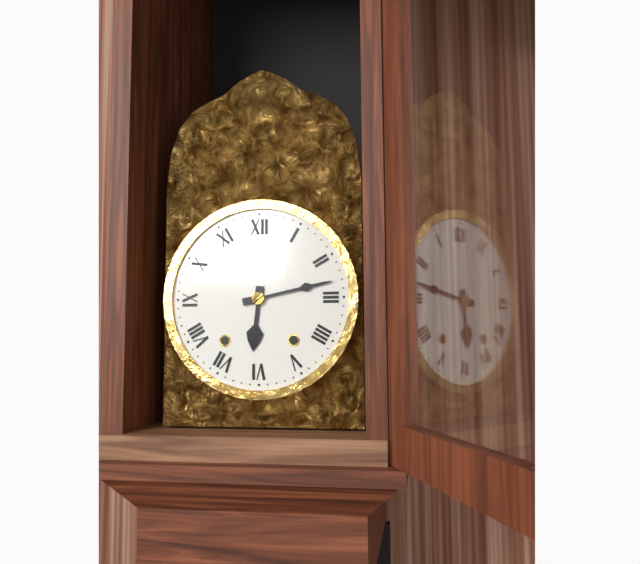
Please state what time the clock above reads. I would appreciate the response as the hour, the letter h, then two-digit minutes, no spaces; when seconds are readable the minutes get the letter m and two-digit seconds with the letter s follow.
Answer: 6h13
